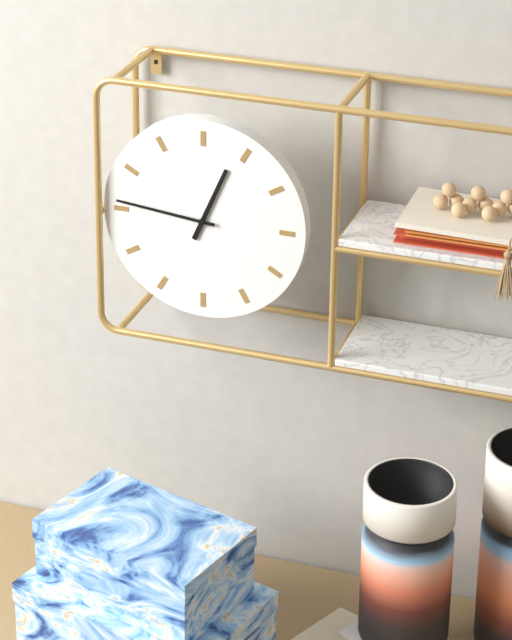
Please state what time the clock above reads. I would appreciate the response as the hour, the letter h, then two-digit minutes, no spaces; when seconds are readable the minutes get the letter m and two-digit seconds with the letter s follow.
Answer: 12h46
